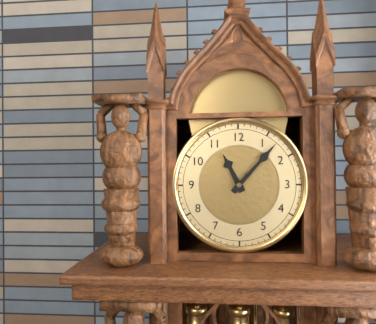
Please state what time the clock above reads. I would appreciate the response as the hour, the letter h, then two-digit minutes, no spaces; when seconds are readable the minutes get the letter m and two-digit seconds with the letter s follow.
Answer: 11h07
